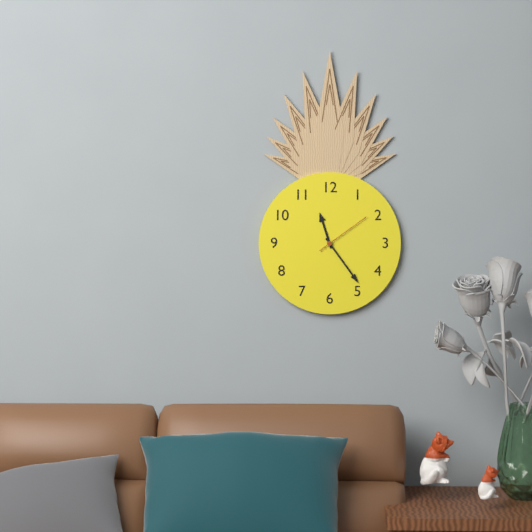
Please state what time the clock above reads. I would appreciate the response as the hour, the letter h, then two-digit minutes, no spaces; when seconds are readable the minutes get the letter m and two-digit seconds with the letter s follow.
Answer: 11h24m09s
